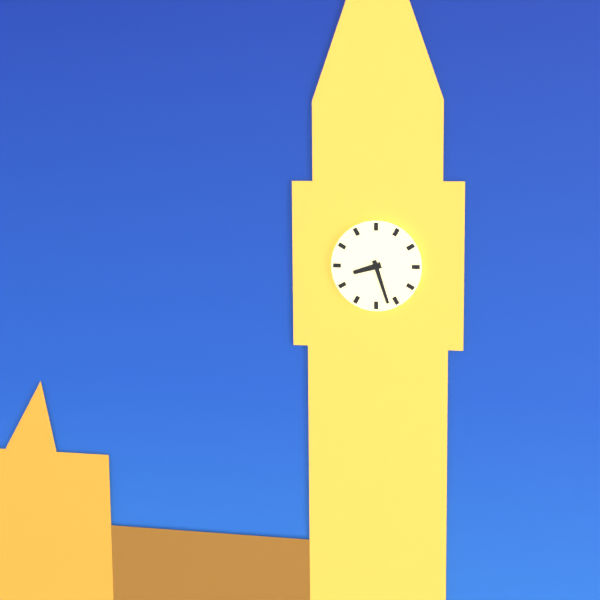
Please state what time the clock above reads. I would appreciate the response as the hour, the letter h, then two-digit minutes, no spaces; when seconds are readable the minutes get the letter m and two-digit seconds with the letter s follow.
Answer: 8h27
